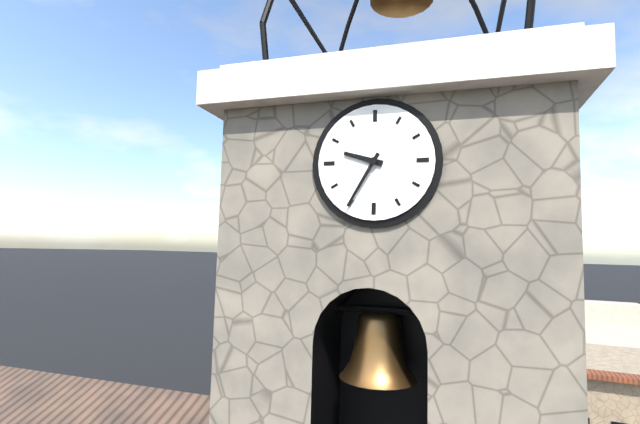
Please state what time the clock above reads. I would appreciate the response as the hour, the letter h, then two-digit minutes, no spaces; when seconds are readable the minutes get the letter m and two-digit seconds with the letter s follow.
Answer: 9h35
